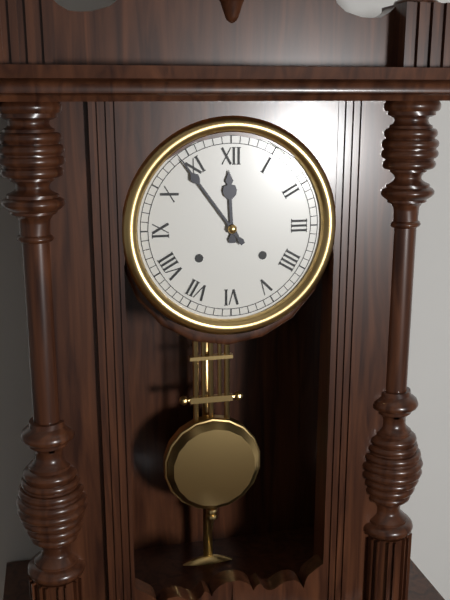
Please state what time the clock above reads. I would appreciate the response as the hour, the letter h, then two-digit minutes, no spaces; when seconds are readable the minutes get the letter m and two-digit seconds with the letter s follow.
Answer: 11h54
